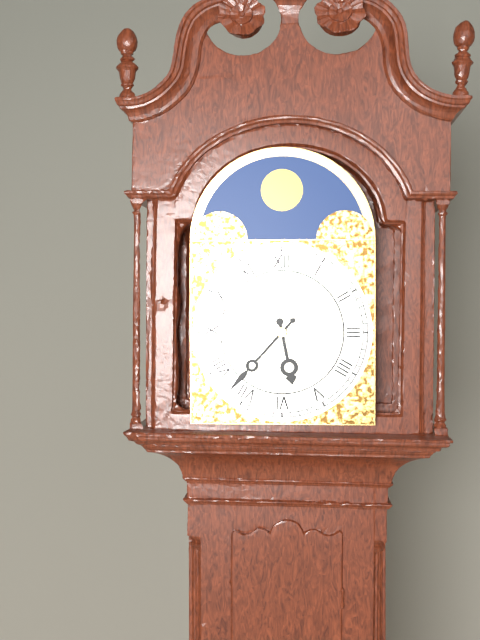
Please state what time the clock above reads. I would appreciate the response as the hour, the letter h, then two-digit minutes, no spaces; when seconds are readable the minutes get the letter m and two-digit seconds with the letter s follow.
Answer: 5h37
